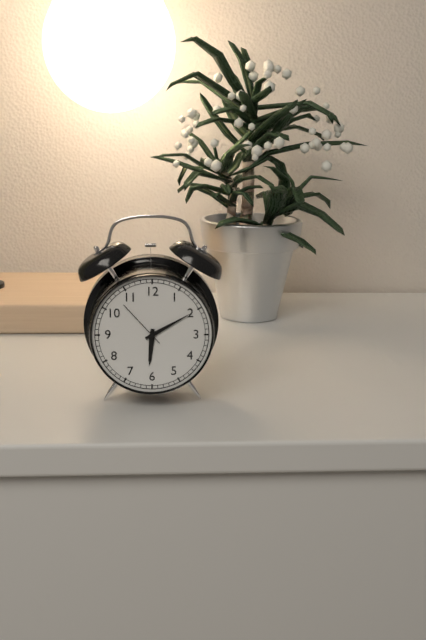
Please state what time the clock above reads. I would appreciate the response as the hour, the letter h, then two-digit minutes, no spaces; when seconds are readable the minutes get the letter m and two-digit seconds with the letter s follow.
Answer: 6h10m53s
